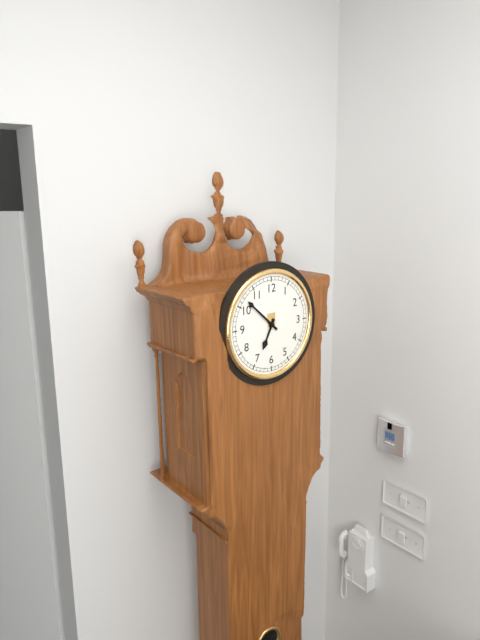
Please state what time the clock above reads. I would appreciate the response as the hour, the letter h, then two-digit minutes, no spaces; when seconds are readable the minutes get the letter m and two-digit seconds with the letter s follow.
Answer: 6h52
